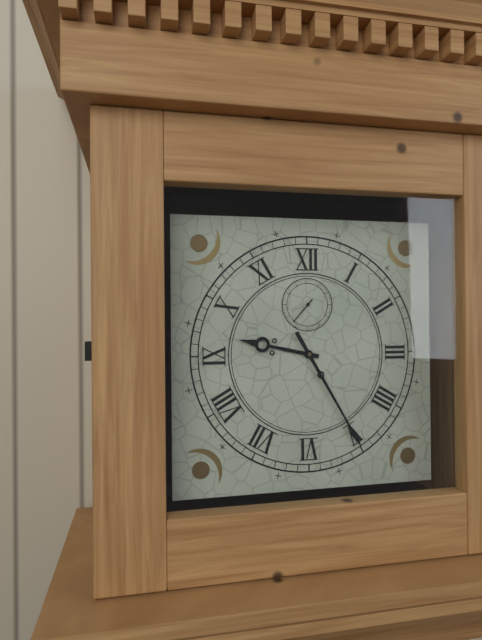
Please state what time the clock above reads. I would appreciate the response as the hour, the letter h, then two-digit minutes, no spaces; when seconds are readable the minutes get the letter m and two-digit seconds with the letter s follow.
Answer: 9h25
